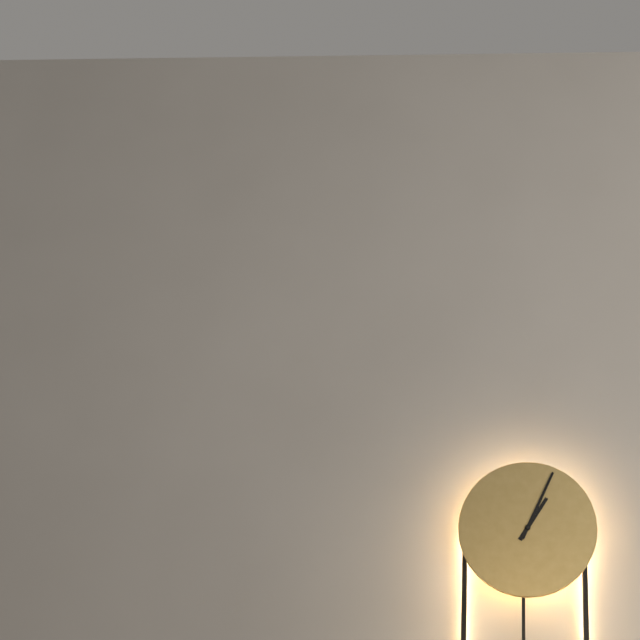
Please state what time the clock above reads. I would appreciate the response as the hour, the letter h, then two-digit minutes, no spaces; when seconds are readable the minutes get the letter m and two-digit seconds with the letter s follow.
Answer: 1h04
